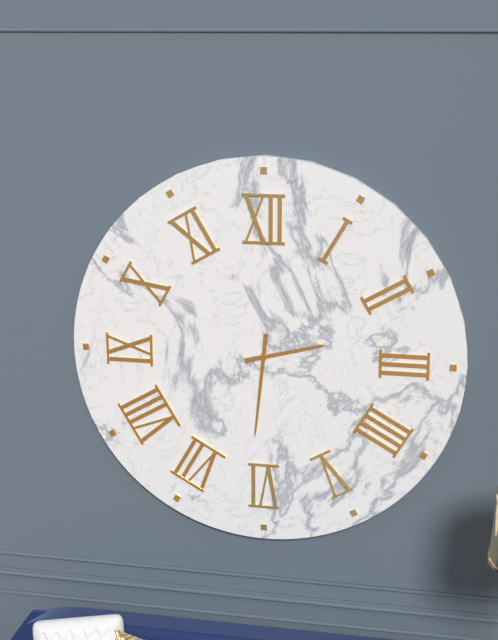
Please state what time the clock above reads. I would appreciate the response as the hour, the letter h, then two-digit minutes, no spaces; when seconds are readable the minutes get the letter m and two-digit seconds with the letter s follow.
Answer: 2h31
